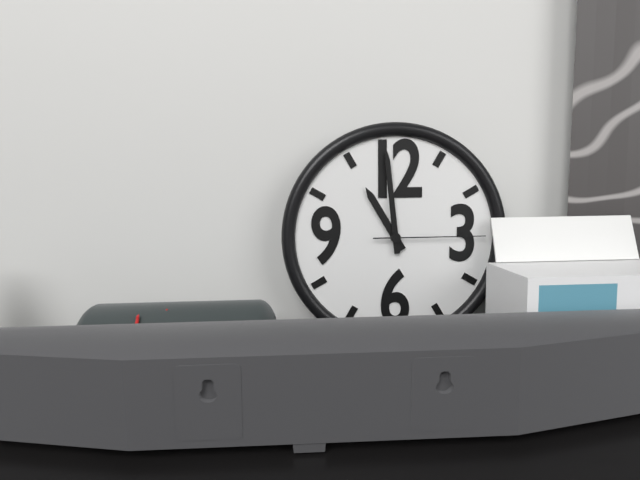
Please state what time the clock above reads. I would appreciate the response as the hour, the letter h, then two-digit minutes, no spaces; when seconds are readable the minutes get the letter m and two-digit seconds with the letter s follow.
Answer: 10h59m15s
